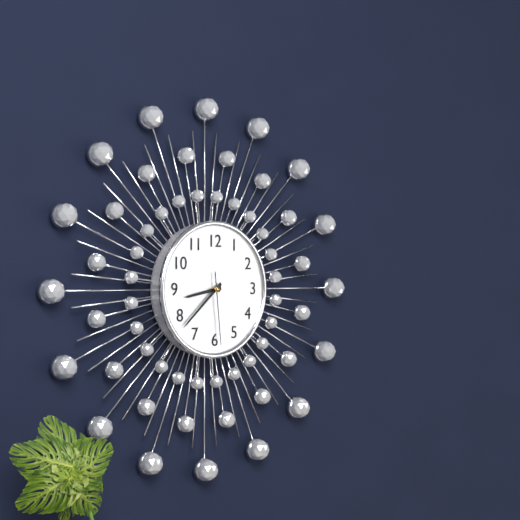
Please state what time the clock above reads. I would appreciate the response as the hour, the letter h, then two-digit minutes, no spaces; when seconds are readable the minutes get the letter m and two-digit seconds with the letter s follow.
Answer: 8h38m29s
